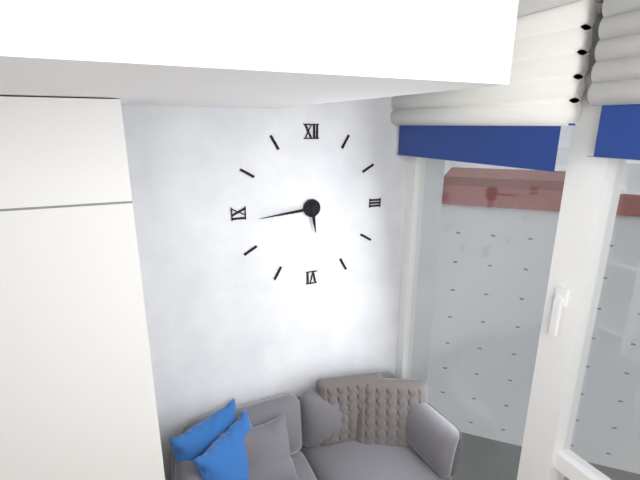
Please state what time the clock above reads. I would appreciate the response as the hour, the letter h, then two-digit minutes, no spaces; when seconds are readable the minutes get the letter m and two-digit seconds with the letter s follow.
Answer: 5h44
